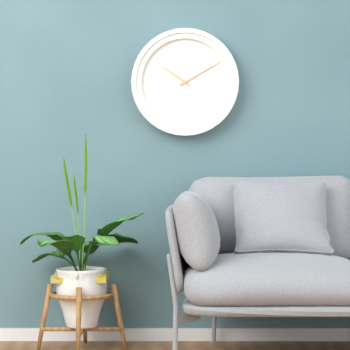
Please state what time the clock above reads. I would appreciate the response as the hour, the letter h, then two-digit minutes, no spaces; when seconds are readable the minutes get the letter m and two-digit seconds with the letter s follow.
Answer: 10h10
